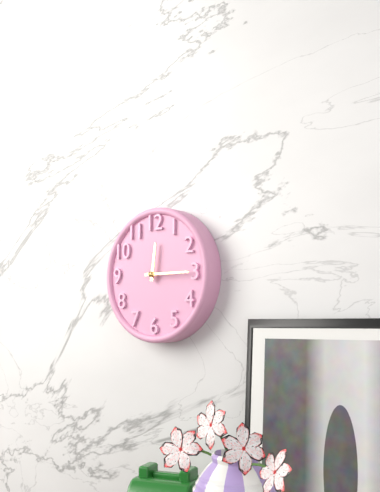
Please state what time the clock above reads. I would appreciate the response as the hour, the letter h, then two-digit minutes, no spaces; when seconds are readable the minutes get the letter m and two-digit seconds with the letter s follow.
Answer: 12h15
